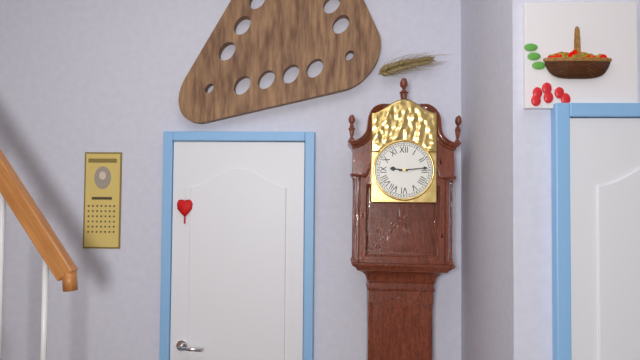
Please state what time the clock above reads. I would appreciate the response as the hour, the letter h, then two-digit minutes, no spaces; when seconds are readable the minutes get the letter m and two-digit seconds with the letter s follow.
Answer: 9h14
